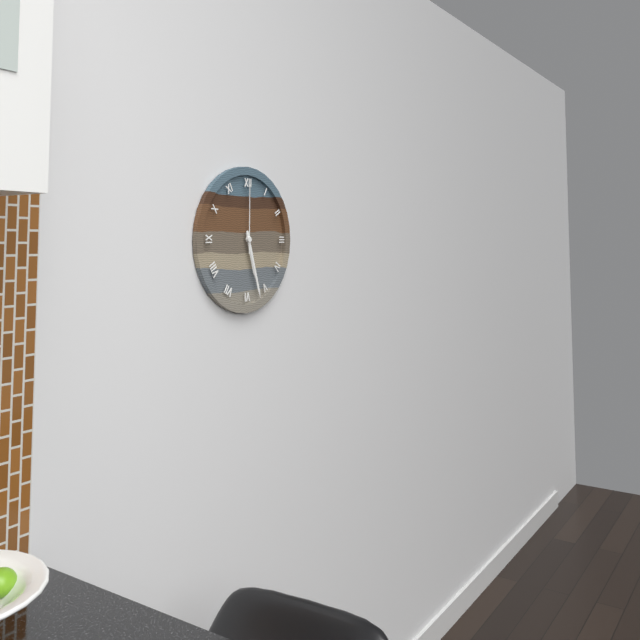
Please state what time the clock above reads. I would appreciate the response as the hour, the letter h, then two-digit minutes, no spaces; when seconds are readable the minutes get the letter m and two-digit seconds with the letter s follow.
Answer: 5h27m00s
